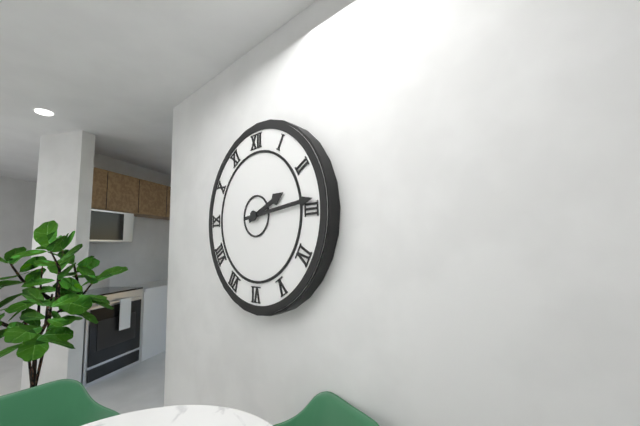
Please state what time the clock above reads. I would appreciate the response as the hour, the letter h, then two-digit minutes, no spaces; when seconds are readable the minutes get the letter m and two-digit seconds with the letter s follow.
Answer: 2h14
